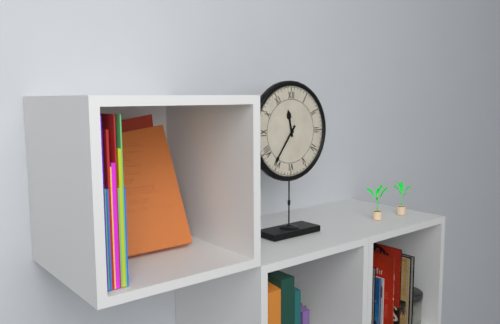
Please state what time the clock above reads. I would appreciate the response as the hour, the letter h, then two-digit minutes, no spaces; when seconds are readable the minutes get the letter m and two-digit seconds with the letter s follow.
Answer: 11h36
